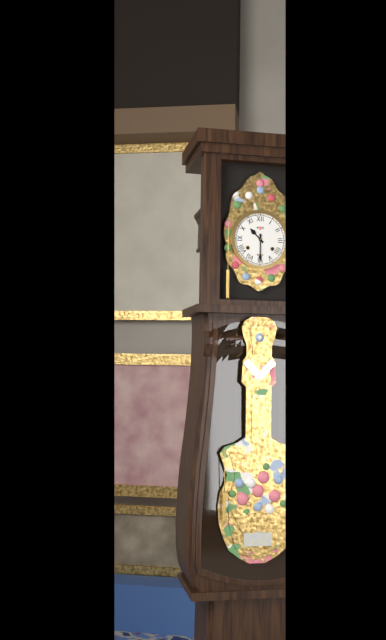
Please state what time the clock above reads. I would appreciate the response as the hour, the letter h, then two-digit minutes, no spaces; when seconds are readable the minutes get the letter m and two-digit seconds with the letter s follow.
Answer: 10h30
